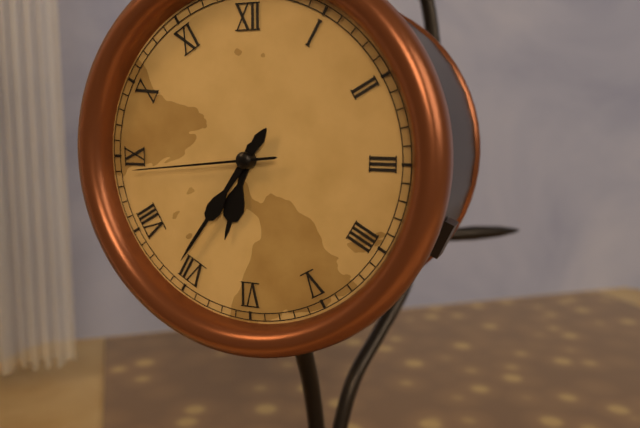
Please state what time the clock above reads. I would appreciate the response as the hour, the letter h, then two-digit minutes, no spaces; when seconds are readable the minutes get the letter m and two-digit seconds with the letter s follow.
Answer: 6h36m44s
